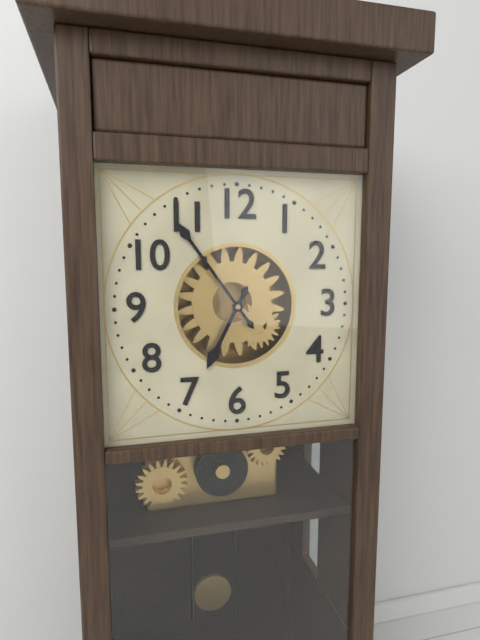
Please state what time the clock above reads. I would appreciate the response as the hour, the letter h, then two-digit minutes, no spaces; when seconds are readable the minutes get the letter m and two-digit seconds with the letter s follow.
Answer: 6h54
